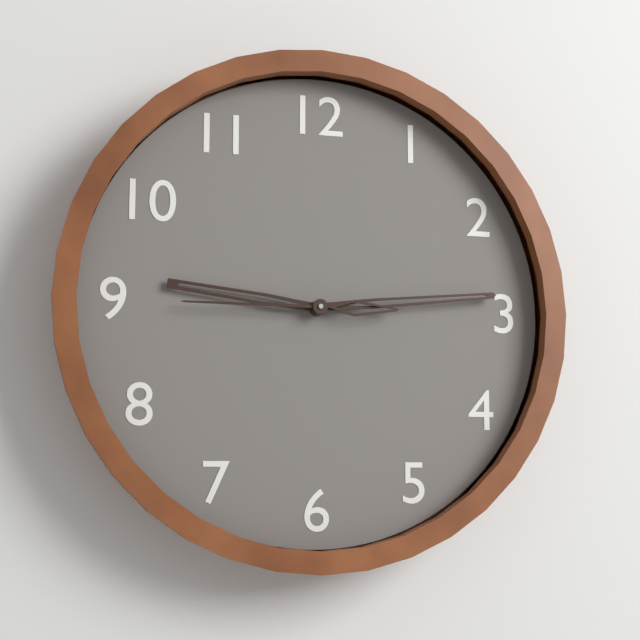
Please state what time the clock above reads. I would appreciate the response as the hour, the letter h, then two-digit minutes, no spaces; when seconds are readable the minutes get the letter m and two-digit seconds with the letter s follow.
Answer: 9h14m45s
